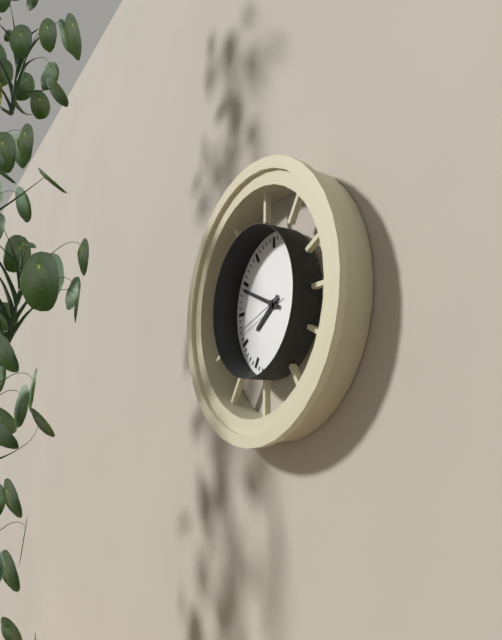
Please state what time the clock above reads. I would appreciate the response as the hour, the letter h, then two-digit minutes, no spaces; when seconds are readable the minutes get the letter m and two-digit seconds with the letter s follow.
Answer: 7h49m42s
